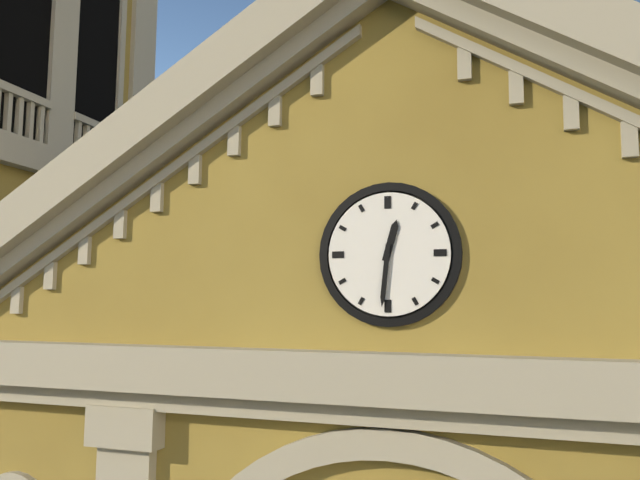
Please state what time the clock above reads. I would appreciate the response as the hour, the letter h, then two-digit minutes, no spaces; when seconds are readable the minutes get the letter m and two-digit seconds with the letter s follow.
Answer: 12h31
